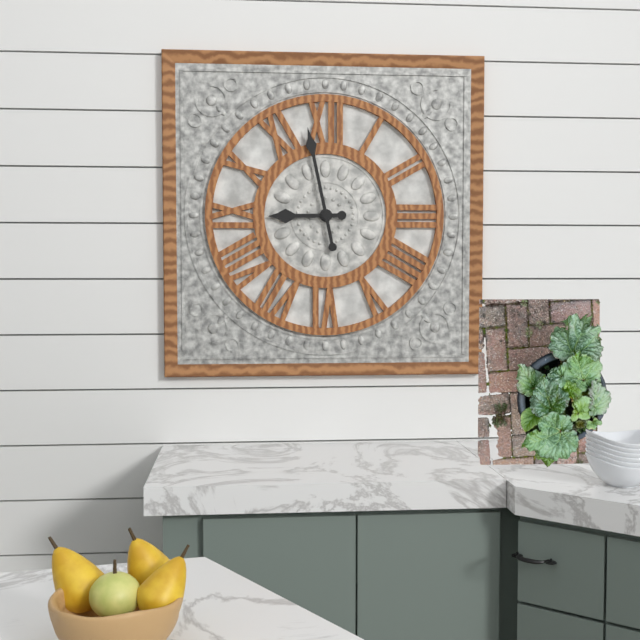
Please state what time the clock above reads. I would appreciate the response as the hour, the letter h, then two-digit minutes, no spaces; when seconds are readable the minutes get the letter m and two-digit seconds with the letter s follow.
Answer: 8h58
